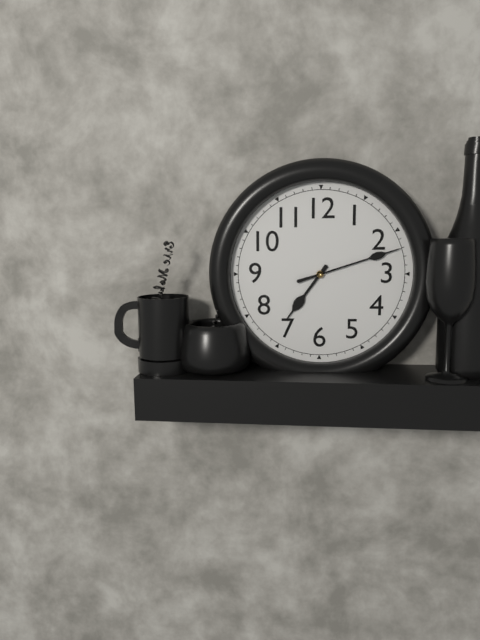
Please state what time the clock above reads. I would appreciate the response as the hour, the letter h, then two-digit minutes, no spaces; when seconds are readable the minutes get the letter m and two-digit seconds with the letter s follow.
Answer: 7h12
